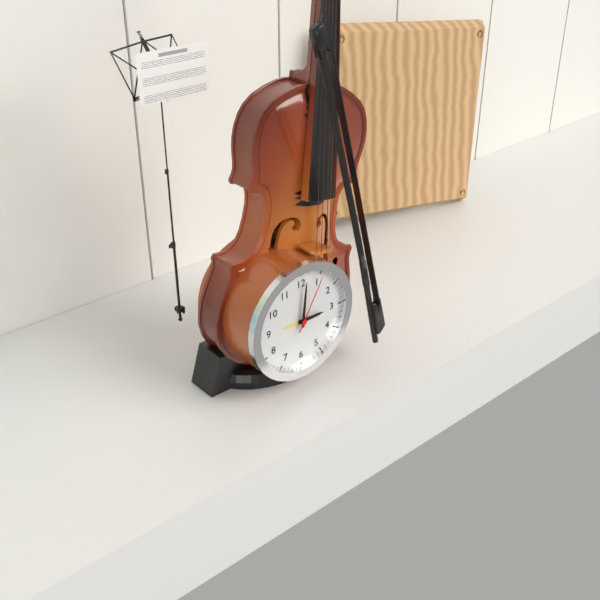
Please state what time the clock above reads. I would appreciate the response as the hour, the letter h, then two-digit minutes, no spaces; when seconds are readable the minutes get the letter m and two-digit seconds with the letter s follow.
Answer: 3h01m05s
